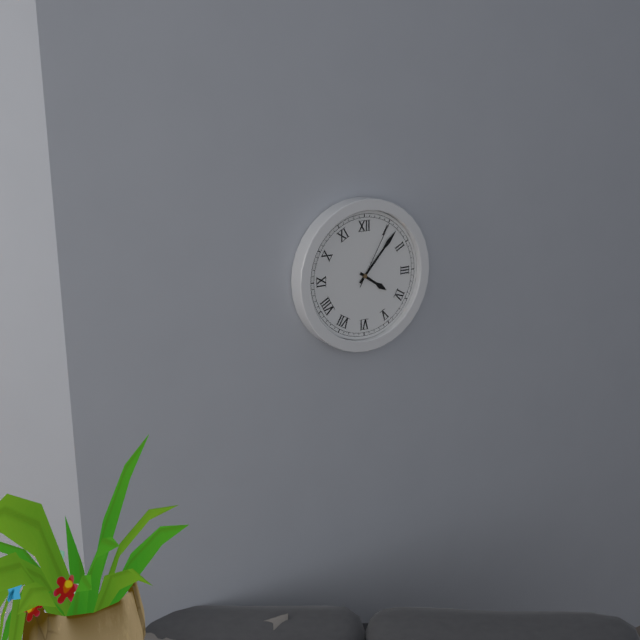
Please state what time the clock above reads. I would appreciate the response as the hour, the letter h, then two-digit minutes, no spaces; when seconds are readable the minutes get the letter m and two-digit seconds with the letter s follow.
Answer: 4h07m05s
